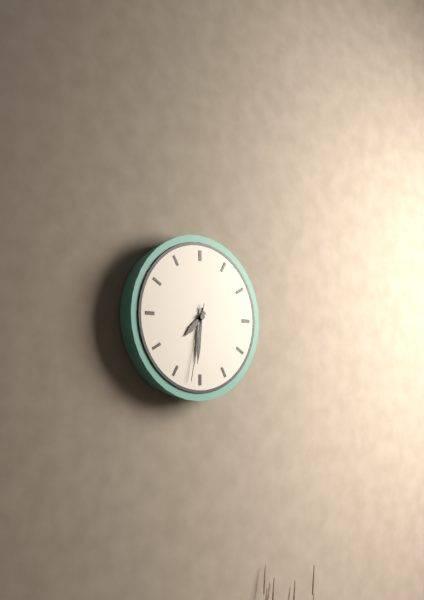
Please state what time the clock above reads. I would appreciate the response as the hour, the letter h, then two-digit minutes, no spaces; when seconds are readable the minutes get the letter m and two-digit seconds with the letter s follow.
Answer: 7h31m32s
